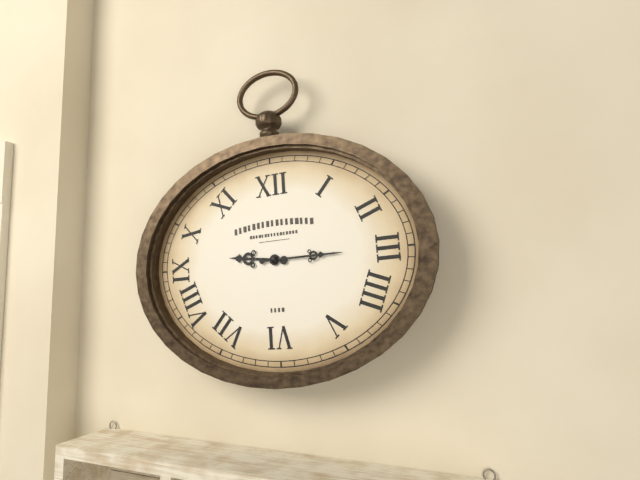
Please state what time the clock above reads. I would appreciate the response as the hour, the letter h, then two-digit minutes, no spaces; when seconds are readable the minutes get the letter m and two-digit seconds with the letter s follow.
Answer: 9h15
